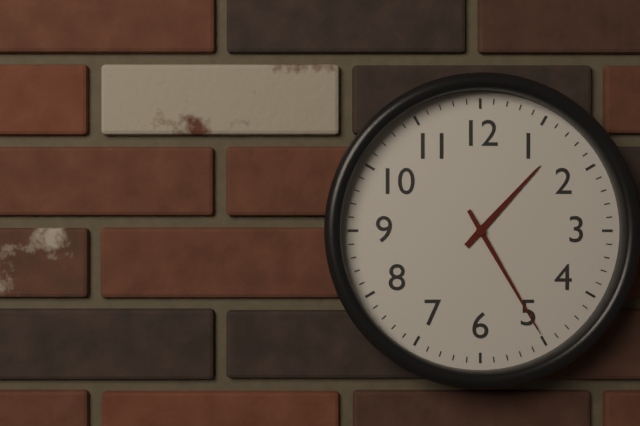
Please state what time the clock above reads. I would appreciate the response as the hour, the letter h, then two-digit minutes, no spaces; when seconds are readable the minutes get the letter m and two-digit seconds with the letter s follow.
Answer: 1h25
